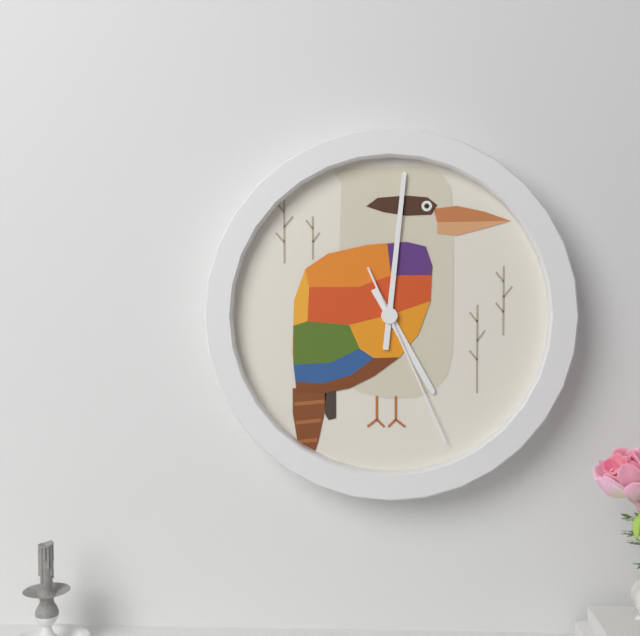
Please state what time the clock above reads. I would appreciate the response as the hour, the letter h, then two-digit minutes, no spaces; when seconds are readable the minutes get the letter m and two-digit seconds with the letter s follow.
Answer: 5h01m26s
